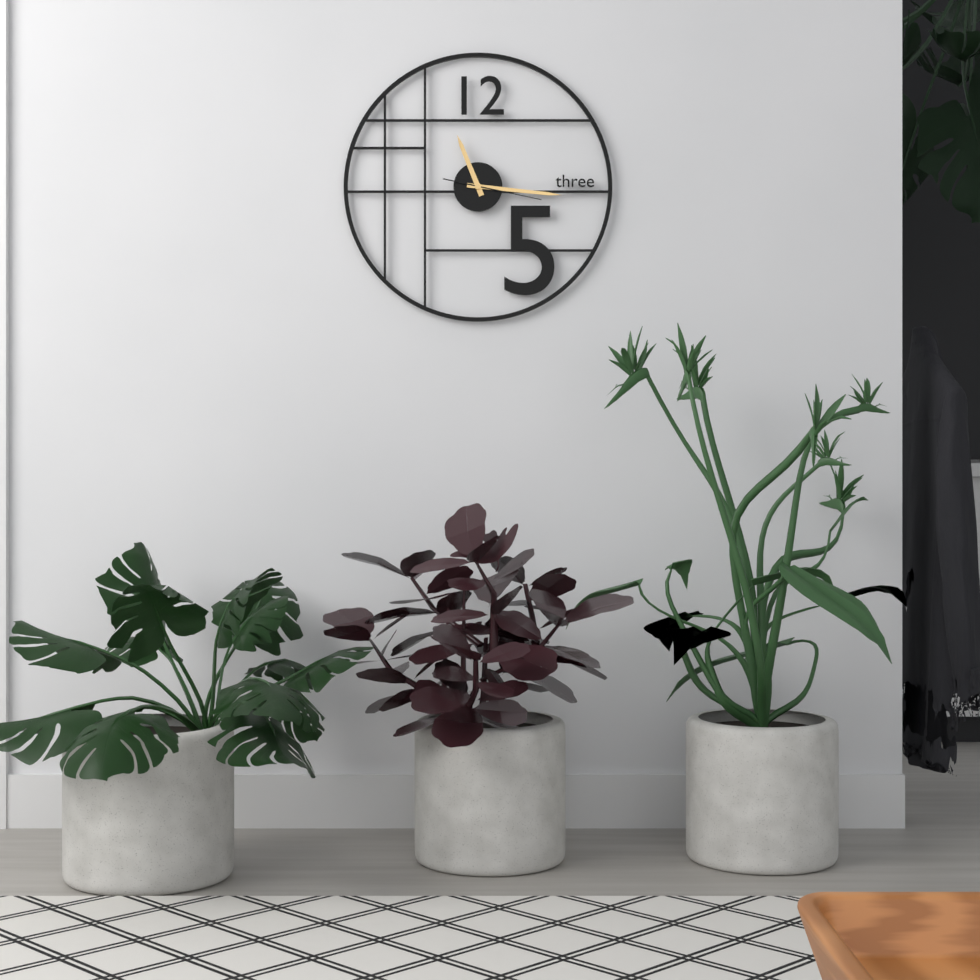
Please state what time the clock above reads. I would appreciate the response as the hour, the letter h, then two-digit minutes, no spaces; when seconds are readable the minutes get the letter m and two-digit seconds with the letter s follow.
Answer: 11h16m17s
